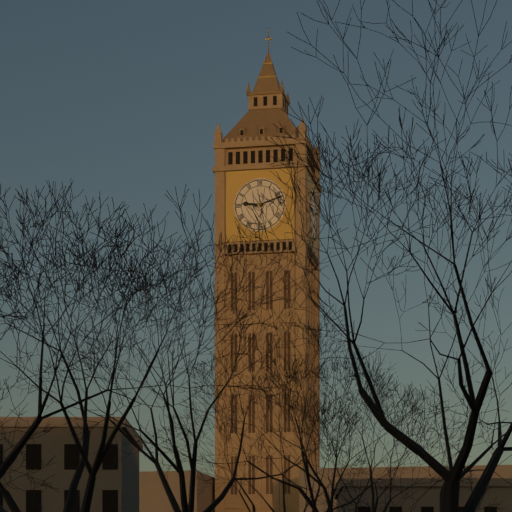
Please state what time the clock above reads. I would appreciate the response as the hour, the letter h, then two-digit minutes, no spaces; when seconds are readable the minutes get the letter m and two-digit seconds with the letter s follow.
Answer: 9h12
